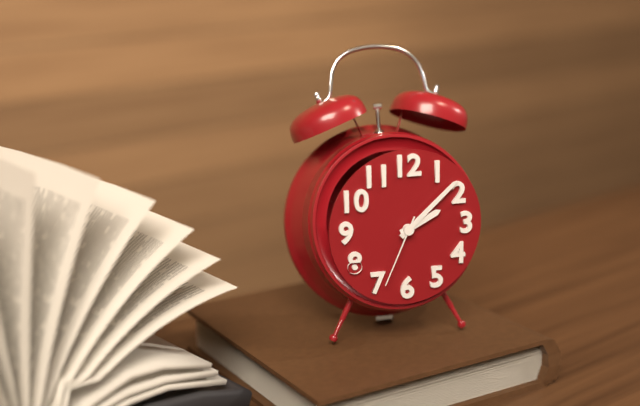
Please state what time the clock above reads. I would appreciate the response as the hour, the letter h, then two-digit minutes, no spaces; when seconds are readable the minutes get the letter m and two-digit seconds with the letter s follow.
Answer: 2h08m34s
